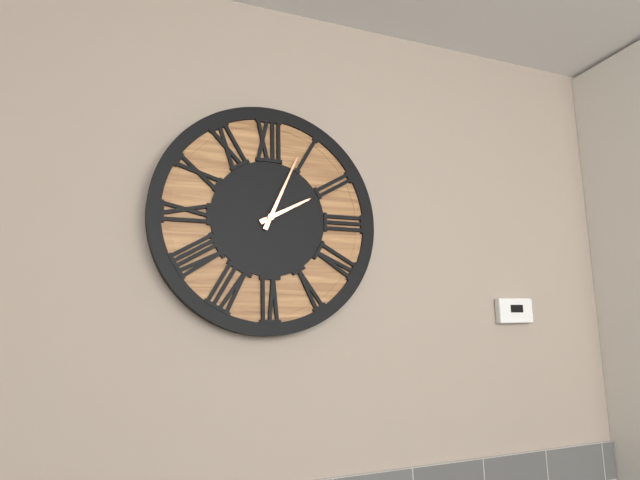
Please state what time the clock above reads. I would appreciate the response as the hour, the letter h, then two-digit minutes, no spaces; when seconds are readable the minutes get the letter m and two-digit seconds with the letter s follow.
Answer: 2h04
